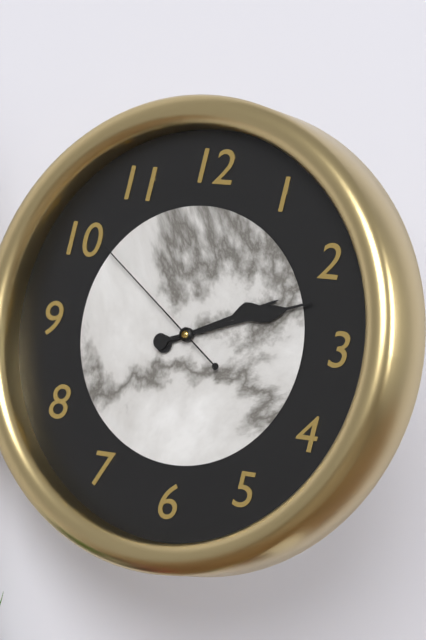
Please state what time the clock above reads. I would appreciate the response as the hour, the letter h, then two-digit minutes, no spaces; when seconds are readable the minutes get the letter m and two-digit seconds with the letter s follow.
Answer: 2h12m51s
